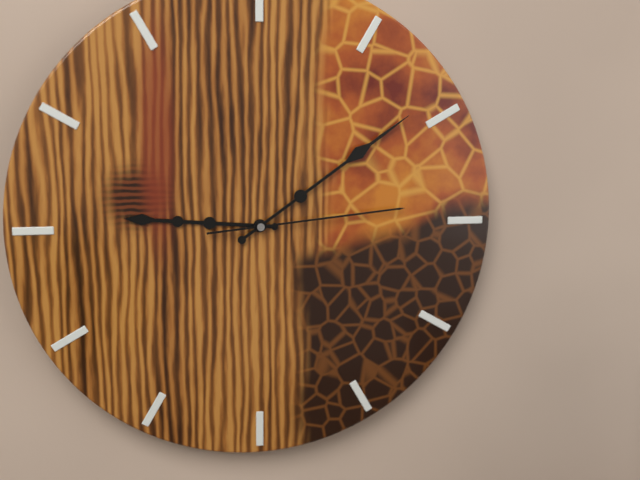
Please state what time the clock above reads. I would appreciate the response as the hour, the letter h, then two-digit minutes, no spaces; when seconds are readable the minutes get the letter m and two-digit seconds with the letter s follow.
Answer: 9h09m14s
